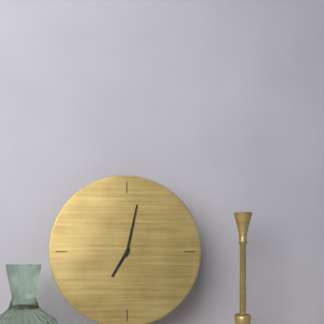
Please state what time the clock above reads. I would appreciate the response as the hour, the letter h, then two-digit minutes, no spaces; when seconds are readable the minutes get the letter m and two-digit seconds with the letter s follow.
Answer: 7h02
